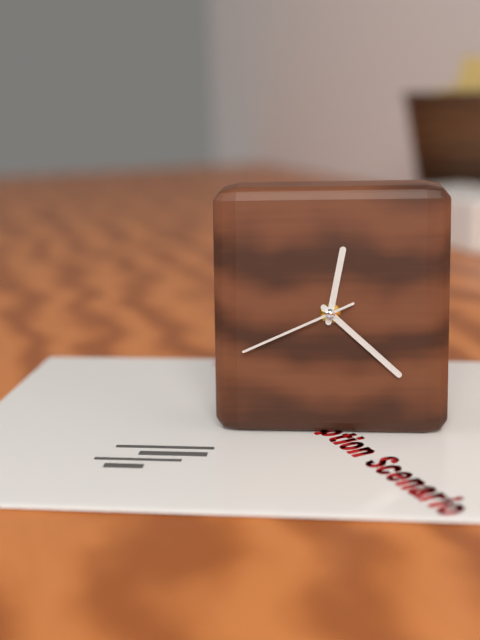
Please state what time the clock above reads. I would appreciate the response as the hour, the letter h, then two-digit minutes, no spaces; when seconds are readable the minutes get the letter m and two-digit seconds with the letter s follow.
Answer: 12h22m41s
